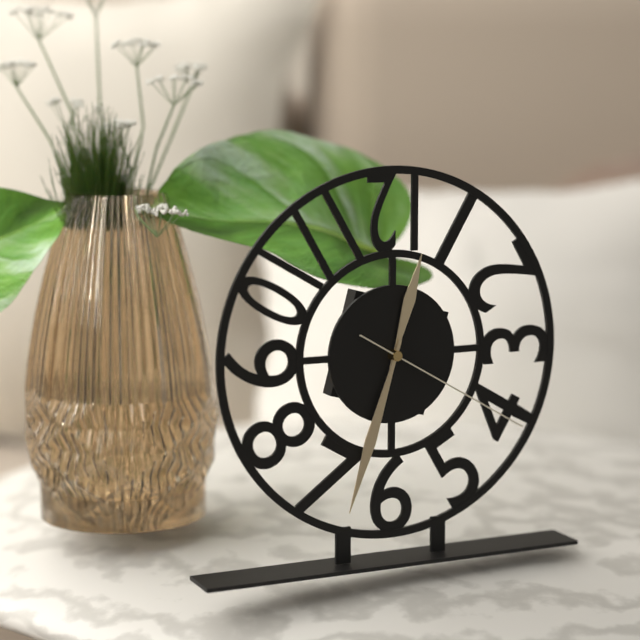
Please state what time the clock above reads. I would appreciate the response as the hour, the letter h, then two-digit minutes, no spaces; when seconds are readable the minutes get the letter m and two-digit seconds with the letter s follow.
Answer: 12h33m20s
